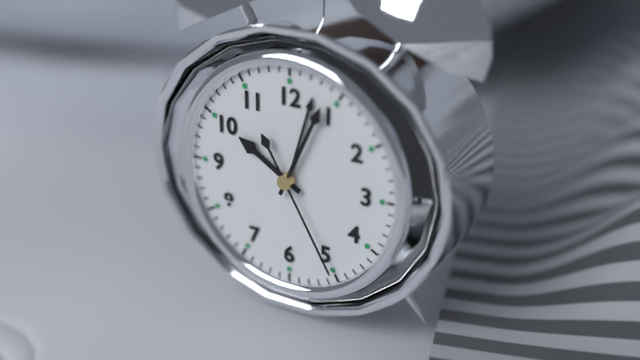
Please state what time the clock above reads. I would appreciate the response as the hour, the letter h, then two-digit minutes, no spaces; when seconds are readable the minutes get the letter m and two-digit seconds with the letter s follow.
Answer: 10h04m25s
